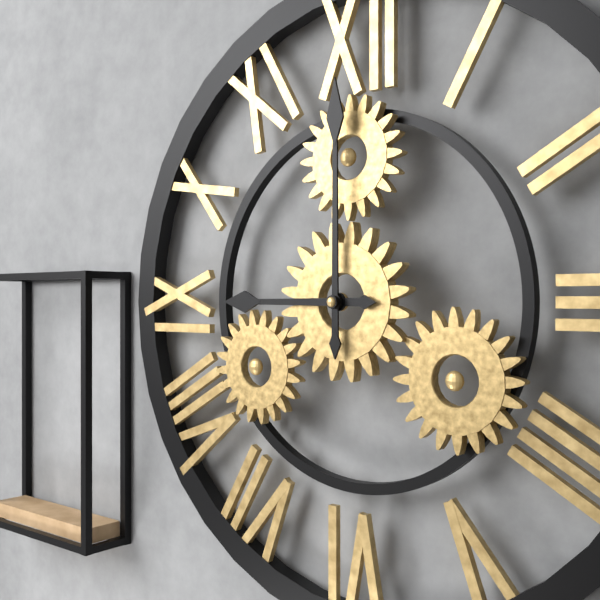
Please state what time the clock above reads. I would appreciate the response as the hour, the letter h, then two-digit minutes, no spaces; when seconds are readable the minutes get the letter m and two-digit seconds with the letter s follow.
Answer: 9h00
